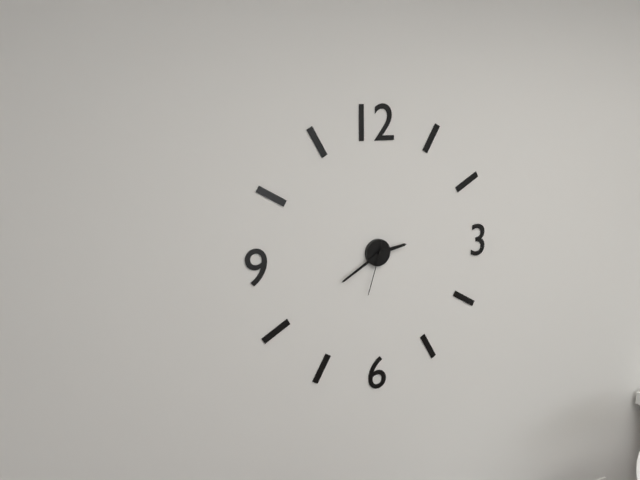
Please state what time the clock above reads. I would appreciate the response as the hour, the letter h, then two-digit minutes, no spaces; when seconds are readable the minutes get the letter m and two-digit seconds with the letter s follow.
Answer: 2h40m33s
